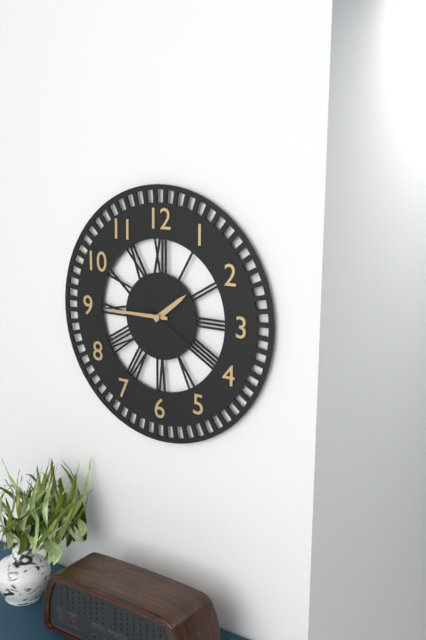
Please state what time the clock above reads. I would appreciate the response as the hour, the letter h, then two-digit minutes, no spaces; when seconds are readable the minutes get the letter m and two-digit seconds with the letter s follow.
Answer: 1h45m20s
